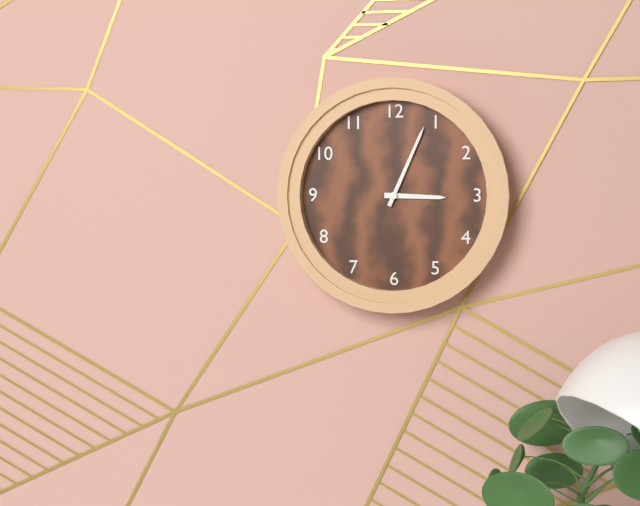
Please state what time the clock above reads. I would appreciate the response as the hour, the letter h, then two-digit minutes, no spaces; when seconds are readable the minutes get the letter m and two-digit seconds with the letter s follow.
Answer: 3h04
